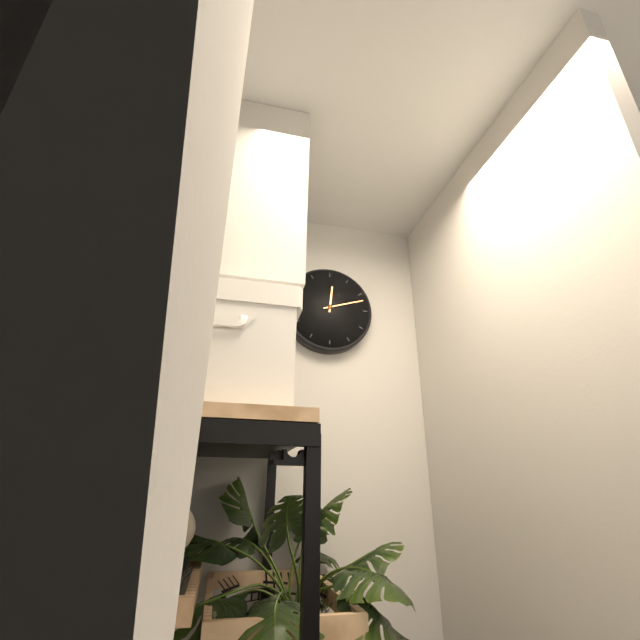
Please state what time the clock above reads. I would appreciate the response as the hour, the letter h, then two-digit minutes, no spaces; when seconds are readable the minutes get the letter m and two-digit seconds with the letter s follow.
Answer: 12h12
